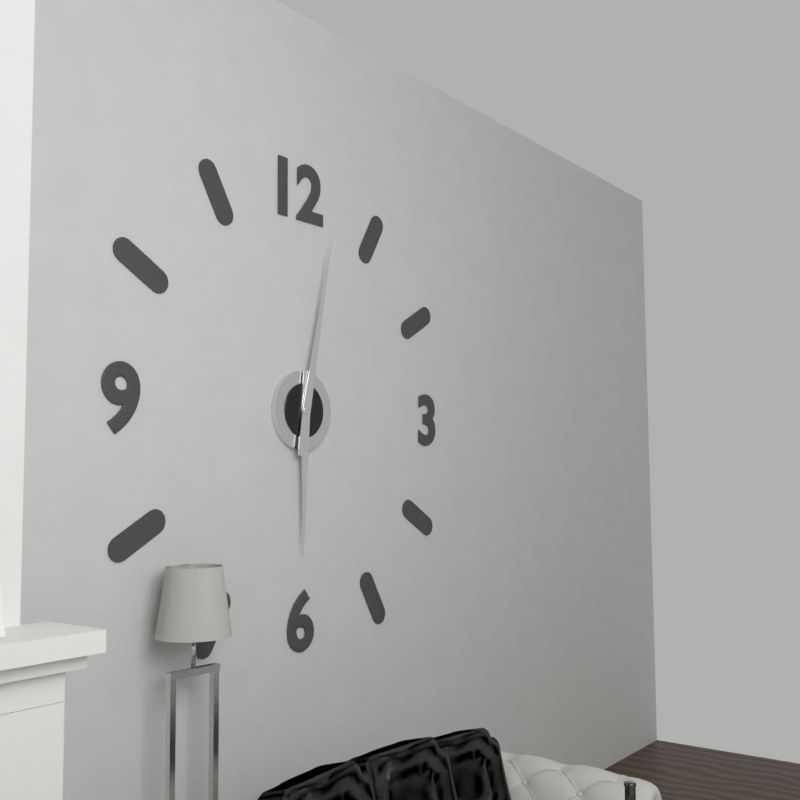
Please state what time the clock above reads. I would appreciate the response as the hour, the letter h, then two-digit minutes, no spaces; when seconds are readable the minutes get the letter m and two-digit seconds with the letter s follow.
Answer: 6h02
